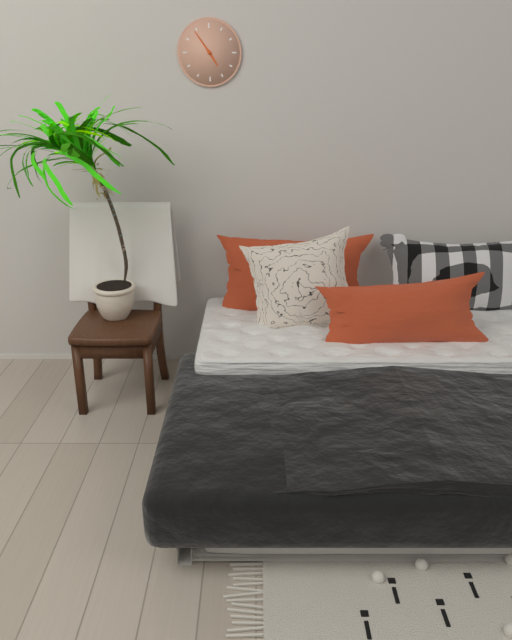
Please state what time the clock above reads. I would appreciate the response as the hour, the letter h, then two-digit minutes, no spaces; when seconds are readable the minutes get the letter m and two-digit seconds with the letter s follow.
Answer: 4h54
